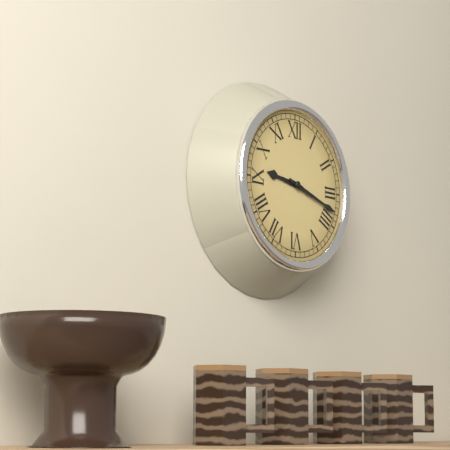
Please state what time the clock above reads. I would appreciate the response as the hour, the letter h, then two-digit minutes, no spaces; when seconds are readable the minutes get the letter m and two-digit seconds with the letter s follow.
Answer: 9h18
